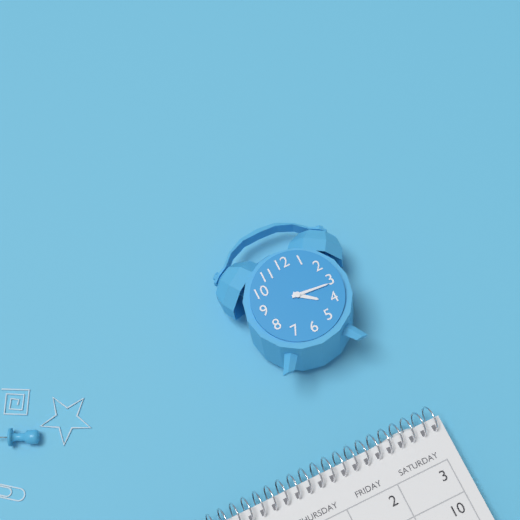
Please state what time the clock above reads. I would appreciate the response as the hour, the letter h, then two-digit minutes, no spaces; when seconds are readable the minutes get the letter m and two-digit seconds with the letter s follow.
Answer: 4h16
